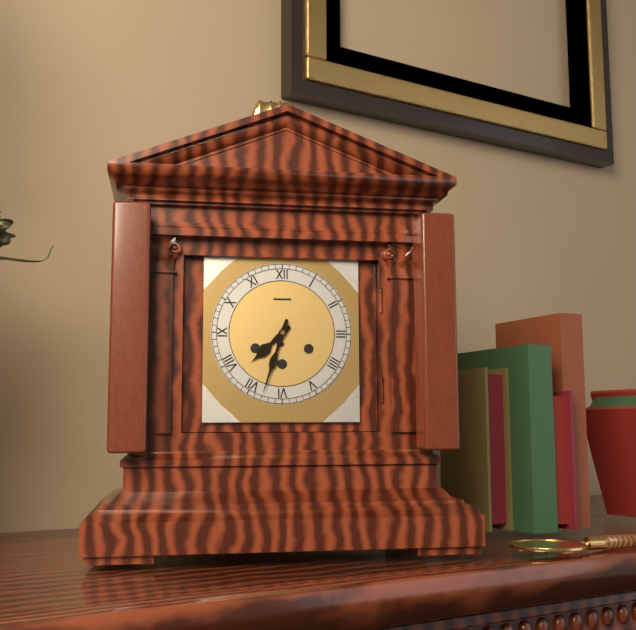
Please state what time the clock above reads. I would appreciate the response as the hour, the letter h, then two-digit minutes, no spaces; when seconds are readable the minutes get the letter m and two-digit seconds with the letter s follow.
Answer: 7h33
